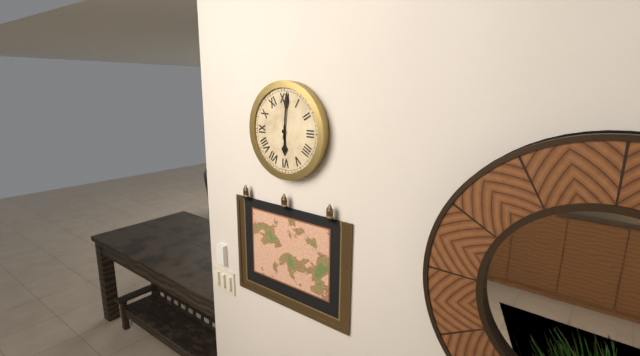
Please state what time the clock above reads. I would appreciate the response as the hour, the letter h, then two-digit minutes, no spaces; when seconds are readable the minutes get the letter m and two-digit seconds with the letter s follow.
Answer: 6h01
